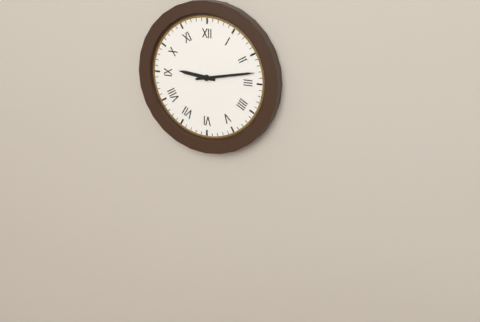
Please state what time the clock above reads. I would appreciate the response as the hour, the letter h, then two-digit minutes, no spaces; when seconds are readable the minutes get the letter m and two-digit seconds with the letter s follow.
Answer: 9h13
